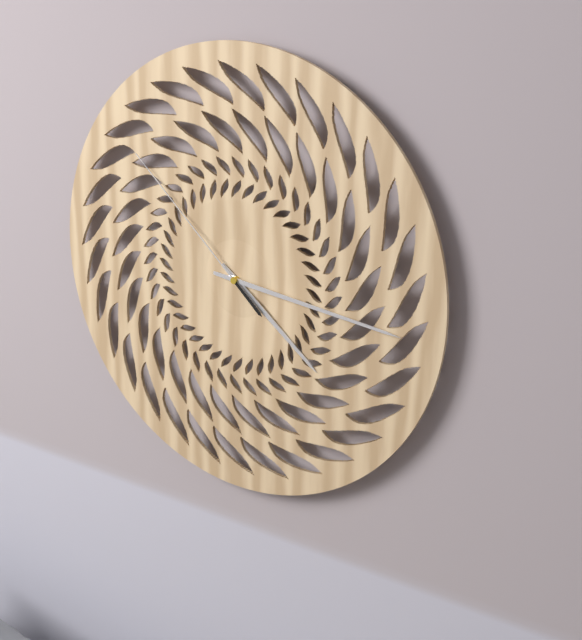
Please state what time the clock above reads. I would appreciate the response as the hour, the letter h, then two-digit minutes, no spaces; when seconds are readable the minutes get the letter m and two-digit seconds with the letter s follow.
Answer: 4h16m52s
